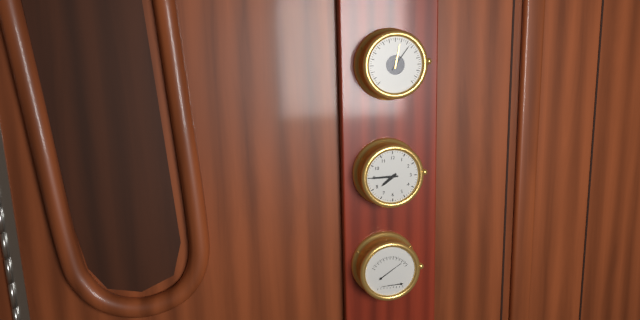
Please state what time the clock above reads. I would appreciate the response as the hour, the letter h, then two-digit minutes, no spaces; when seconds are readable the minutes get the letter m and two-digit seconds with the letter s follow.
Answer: 7h45
